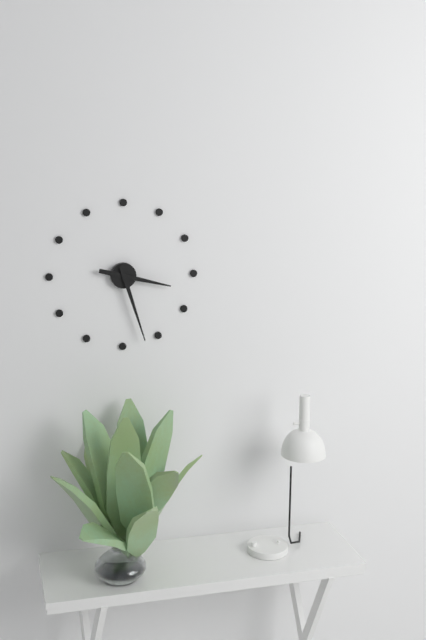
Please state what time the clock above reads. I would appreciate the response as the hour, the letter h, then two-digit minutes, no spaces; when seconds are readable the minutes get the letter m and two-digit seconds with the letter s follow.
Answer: 3h27
